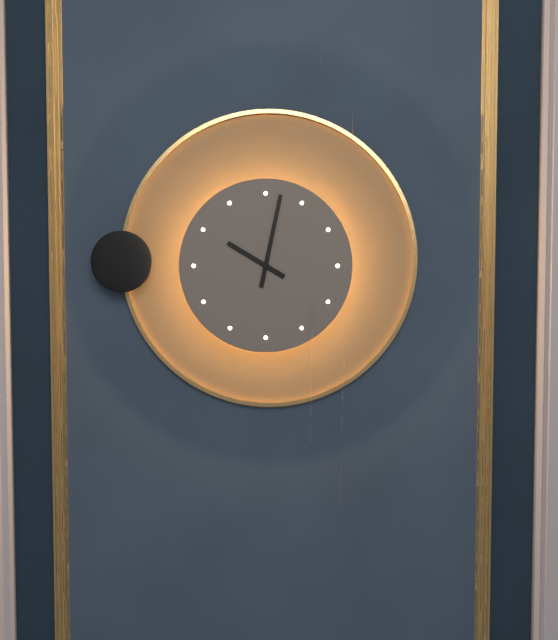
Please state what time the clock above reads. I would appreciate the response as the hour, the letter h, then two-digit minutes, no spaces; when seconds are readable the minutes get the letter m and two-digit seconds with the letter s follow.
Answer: 10h02
